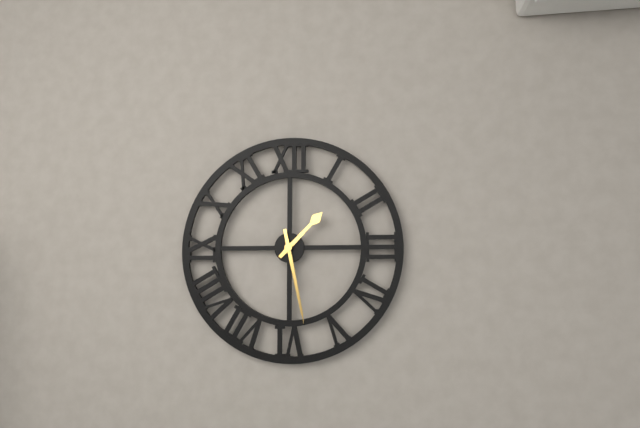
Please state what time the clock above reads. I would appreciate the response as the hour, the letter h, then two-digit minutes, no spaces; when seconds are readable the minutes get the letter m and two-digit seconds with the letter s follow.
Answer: 1h28
